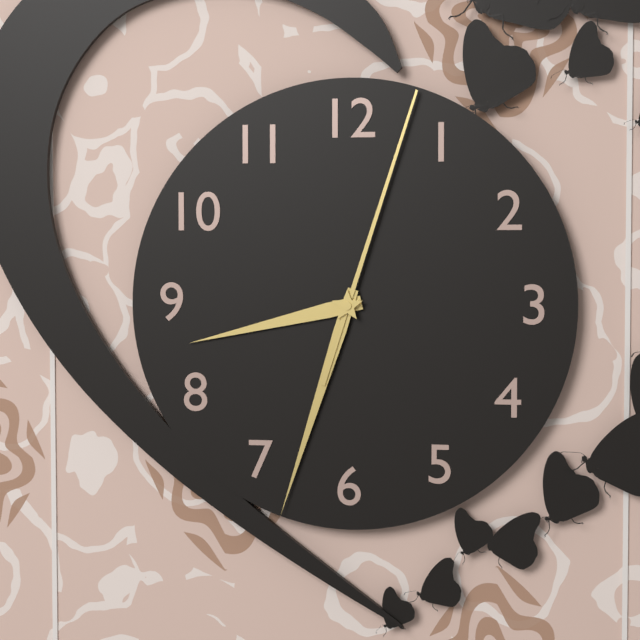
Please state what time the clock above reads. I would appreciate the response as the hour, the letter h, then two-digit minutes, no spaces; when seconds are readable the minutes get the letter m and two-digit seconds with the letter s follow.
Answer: 8h33m03s
